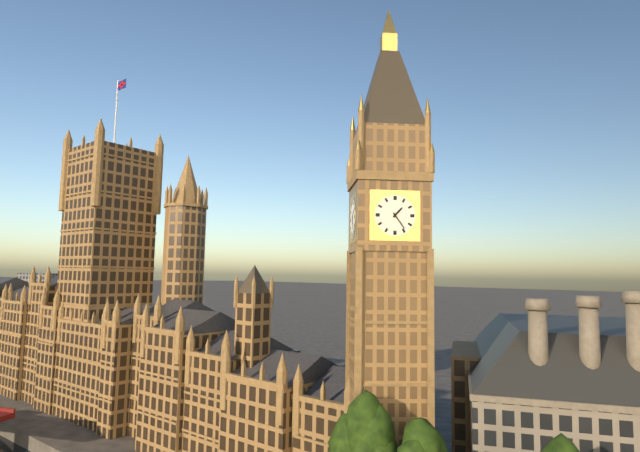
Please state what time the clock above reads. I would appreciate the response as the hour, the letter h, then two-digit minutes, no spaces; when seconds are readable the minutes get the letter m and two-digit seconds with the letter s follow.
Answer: 1h24
